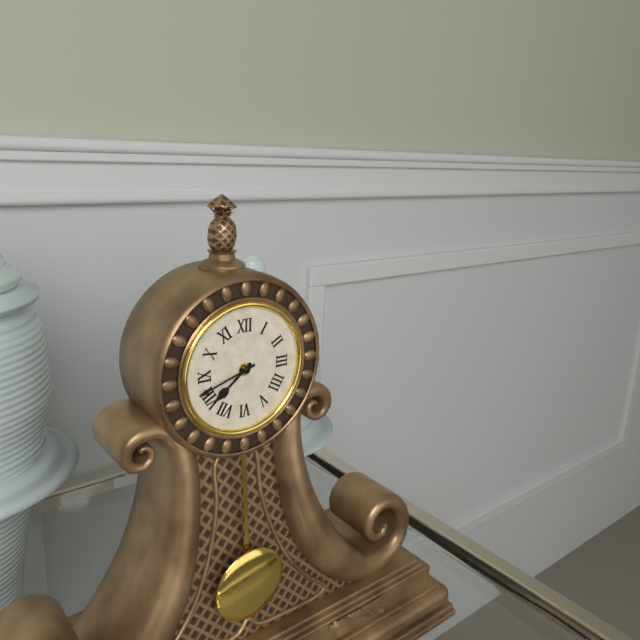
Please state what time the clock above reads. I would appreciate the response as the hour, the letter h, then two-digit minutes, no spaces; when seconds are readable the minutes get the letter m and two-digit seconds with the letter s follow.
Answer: 7h42
